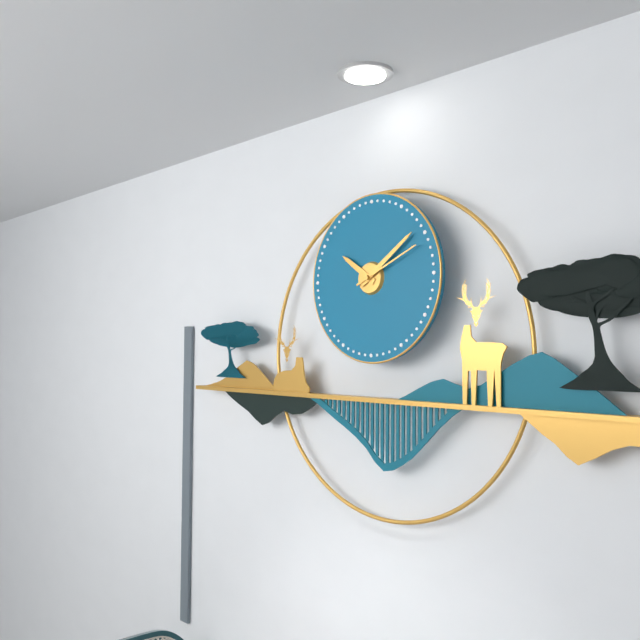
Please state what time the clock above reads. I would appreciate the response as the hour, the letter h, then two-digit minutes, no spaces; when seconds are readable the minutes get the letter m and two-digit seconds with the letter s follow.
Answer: 10h09m11s
